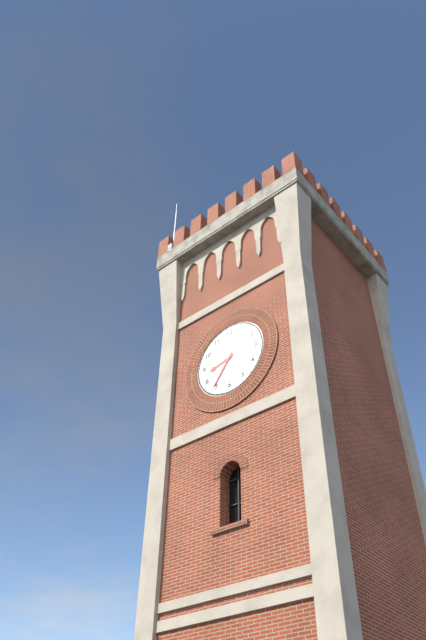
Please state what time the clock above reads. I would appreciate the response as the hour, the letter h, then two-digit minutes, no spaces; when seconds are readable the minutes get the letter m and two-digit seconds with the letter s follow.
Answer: 8h36
